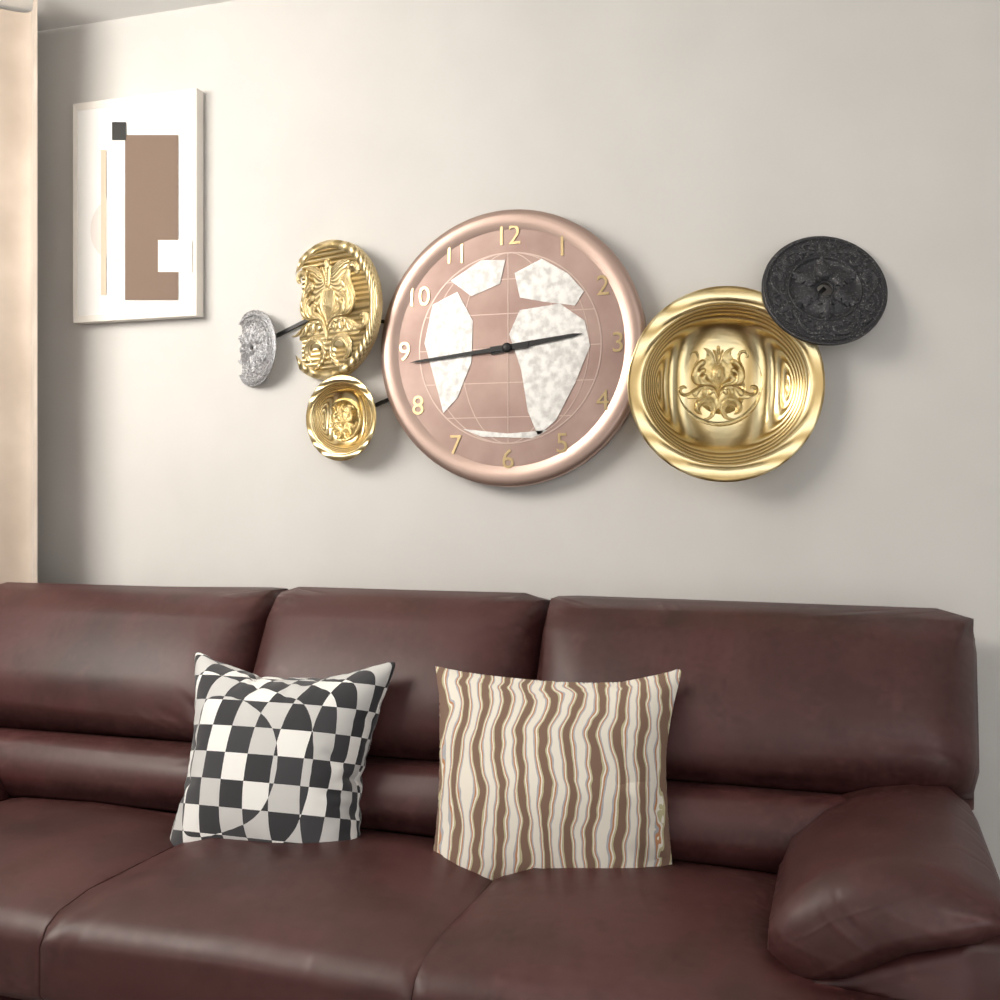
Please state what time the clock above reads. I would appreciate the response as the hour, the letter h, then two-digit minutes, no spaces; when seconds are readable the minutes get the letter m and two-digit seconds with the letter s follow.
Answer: 2h44
